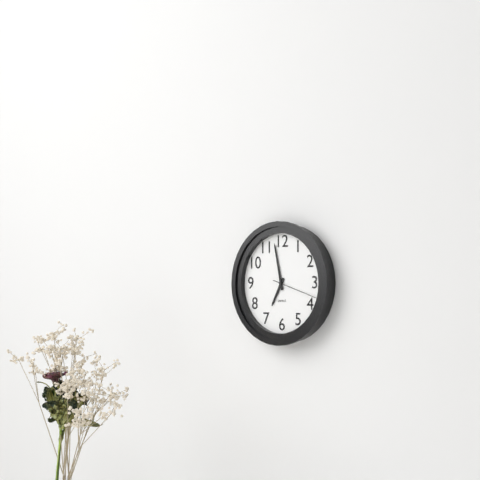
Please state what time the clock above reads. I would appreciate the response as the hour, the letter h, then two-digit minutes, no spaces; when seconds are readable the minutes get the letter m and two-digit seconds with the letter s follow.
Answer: 6h58
